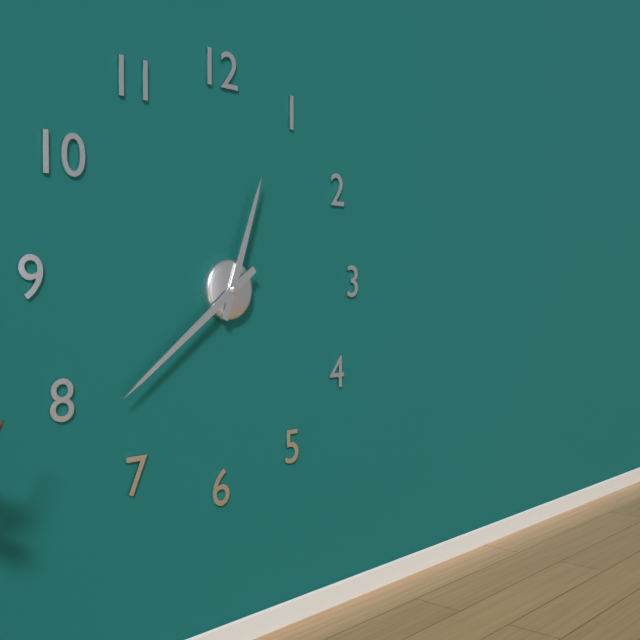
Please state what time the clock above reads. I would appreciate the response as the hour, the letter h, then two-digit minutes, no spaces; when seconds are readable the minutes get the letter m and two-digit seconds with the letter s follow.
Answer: 12h39
